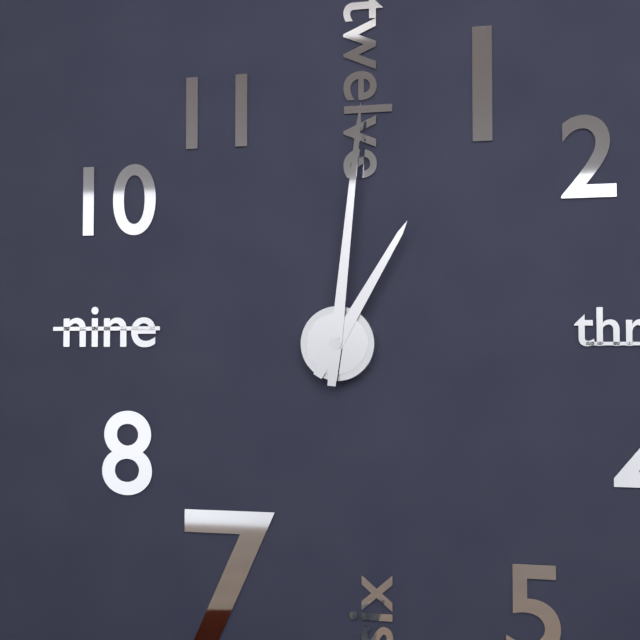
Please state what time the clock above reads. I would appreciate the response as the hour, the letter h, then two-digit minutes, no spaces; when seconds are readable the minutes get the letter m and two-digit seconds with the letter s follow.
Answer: 1h01
